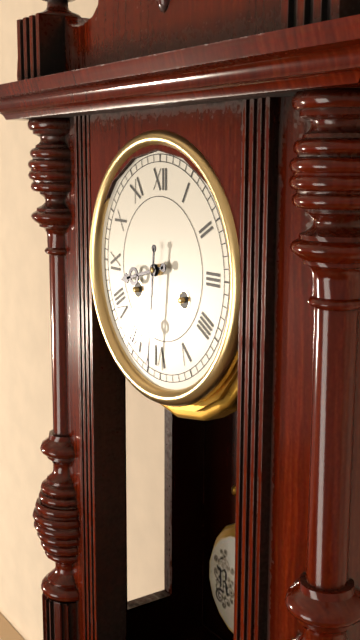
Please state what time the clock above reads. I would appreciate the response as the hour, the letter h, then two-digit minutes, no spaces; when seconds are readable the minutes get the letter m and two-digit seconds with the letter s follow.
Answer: 8h31
